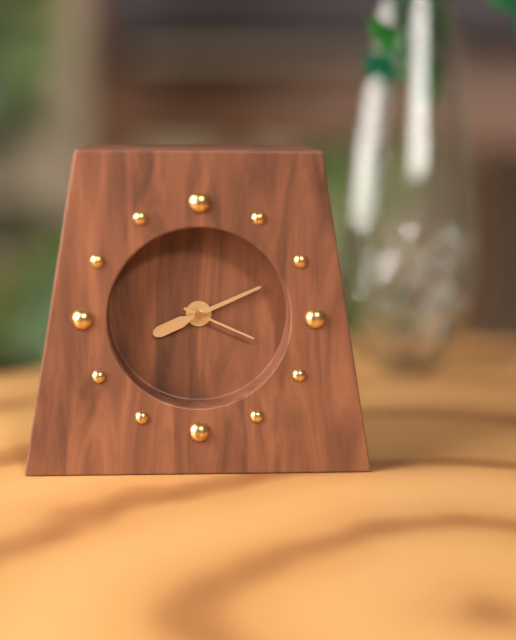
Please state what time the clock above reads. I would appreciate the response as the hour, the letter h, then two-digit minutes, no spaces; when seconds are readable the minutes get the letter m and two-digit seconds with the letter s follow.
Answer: 8h11m19s
